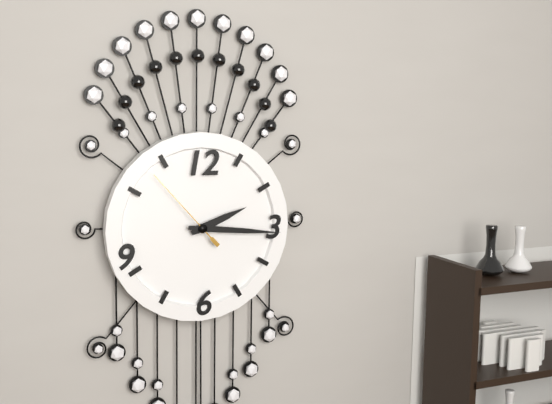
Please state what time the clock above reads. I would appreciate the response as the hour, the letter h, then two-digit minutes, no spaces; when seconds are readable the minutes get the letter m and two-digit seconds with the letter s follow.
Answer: 2h16m53s
